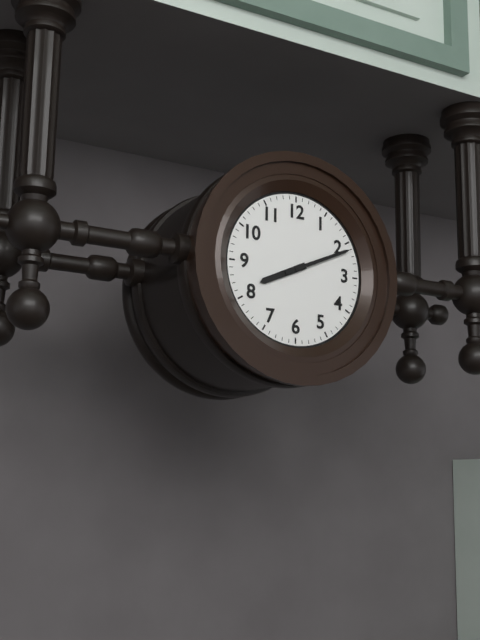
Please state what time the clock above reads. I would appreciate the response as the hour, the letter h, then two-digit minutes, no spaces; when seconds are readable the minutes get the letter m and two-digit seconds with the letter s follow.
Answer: 8h11
